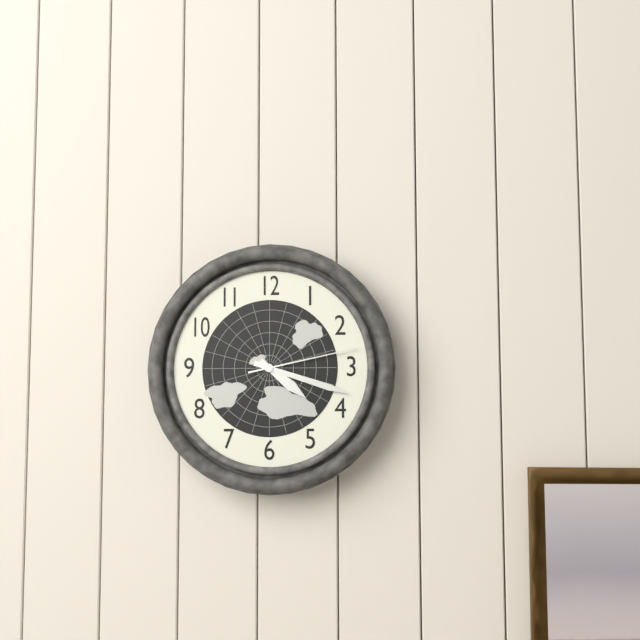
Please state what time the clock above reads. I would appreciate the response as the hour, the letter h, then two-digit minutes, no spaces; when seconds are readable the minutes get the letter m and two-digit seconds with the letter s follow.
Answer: 4h18m13s
